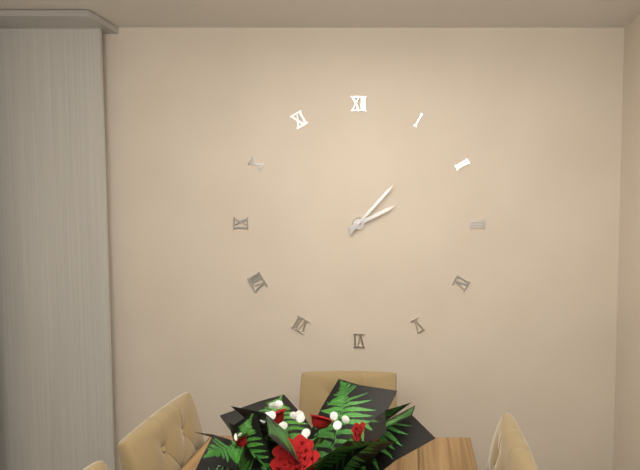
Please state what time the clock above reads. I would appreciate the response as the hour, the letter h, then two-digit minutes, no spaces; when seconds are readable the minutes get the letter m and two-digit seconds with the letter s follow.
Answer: 2h07
